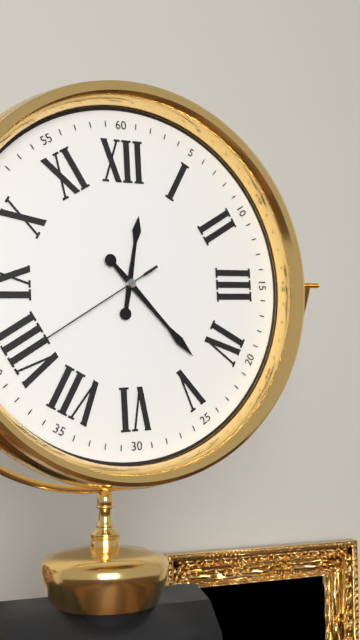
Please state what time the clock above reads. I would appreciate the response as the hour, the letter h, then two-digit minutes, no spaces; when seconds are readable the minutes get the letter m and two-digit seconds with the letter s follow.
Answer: 12h23m40s
